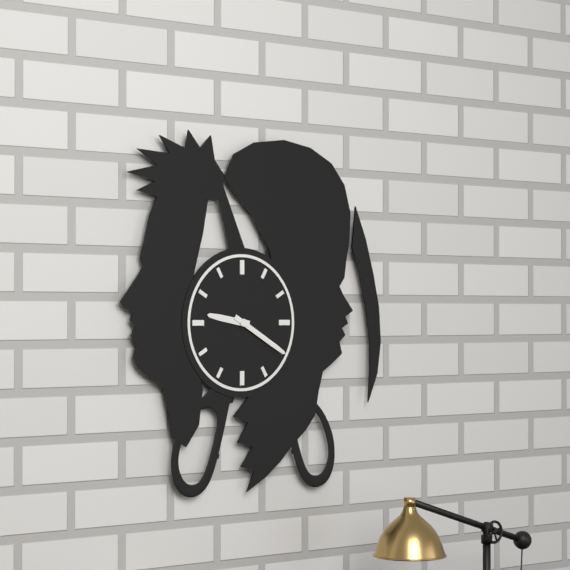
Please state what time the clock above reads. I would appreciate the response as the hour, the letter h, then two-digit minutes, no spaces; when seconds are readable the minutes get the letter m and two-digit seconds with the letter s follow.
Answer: 9h20
